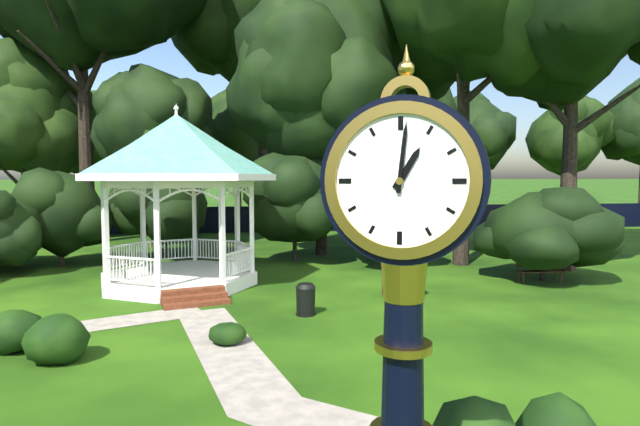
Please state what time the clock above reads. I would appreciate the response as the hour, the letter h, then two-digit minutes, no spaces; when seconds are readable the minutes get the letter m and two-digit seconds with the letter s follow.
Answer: 1h01
